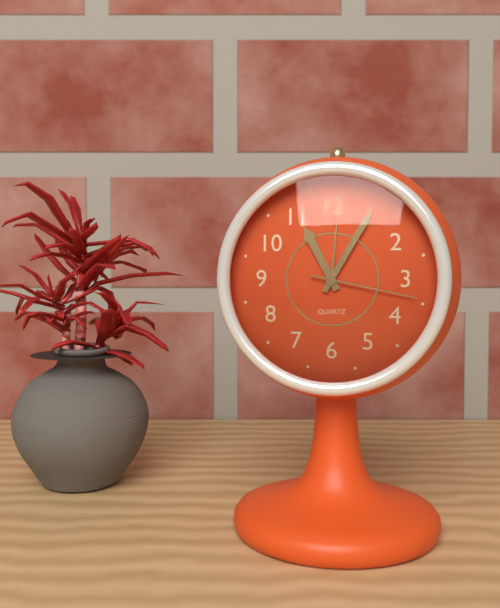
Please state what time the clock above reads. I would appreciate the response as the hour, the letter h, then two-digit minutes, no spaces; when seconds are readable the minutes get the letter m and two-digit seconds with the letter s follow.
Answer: 11h05m17s
